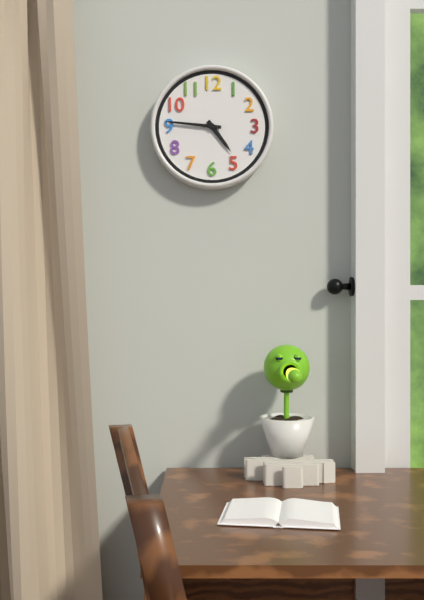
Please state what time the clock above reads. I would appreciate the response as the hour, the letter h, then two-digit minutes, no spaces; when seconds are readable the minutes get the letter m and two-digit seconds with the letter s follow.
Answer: 4h46
